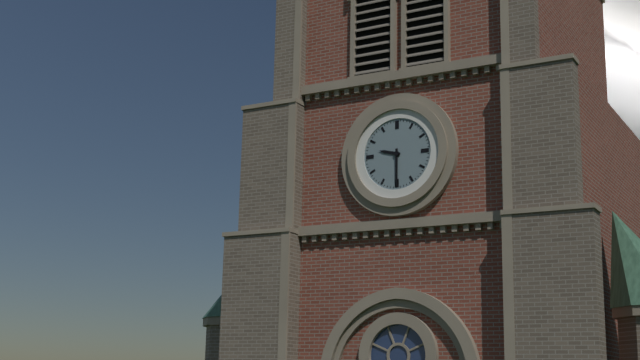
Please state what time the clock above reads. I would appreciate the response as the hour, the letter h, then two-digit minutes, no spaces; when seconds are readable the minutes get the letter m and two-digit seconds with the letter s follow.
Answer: 9h30
